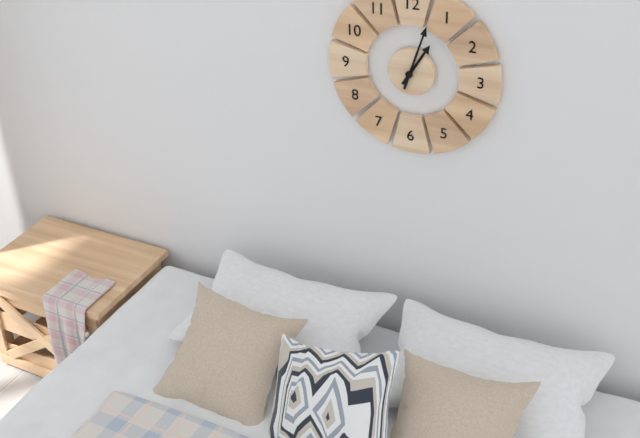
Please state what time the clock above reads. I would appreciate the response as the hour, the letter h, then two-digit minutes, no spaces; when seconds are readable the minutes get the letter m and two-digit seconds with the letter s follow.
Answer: 1h03
